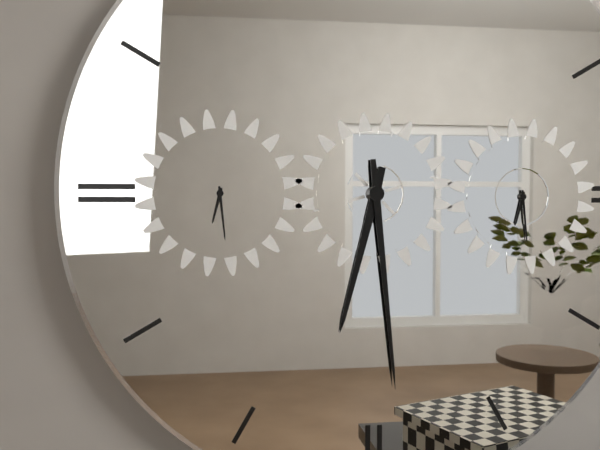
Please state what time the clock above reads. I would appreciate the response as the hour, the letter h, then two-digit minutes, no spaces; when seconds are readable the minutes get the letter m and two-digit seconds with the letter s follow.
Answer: 6h29
